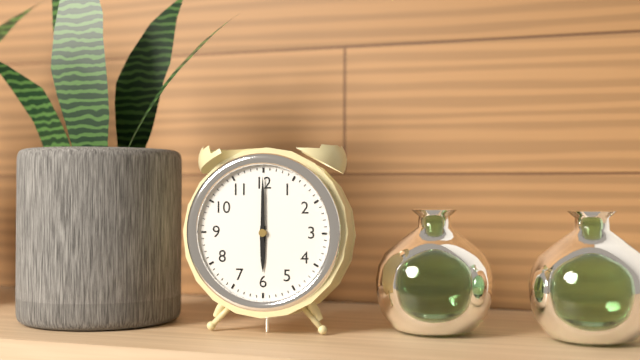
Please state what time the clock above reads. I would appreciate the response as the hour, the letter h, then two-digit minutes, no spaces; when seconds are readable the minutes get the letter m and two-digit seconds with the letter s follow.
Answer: 6h00
